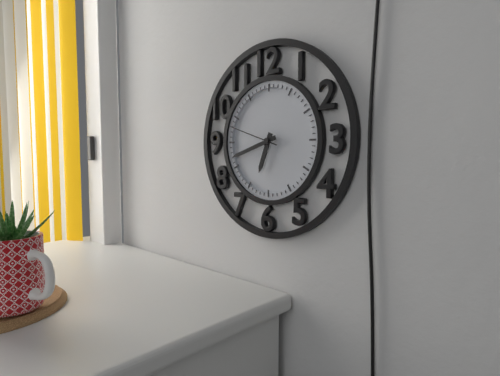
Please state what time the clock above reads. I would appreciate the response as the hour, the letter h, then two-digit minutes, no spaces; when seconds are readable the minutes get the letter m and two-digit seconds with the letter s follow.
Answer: 6h42m48s
